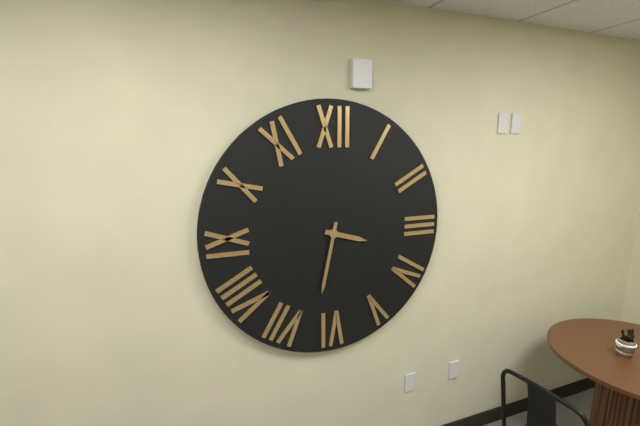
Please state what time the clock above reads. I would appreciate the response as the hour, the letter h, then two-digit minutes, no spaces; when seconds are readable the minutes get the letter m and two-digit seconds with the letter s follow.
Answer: 3h32
